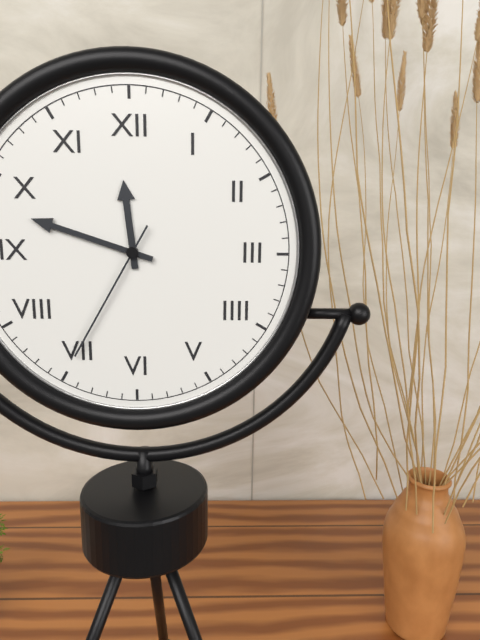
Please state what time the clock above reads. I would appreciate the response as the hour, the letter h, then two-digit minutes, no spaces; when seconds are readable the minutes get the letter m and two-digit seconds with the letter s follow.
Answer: 11h48m35s
